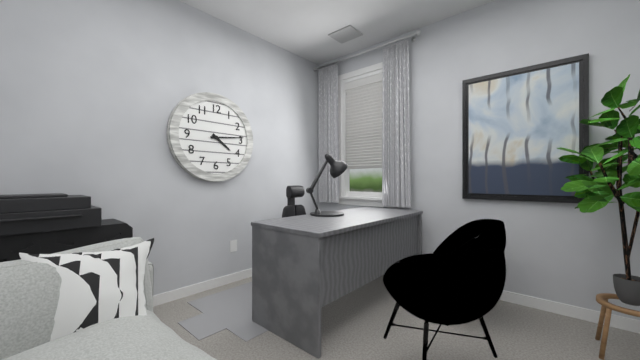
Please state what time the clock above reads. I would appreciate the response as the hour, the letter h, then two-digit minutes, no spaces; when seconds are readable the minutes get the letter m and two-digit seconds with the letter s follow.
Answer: 4h14
